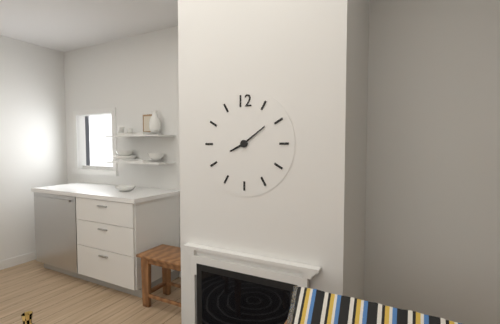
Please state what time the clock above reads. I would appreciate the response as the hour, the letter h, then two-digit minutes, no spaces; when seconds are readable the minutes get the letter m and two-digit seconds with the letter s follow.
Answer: 8h09
